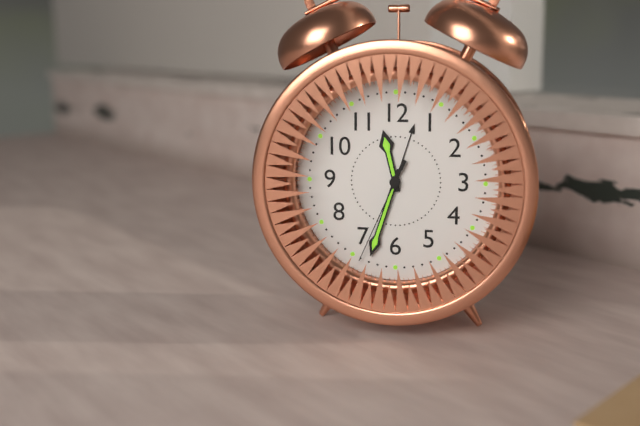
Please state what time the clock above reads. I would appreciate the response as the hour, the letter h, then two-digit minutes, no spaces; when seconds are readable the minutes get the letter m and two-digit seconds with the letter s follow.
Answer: 11h33m34s
